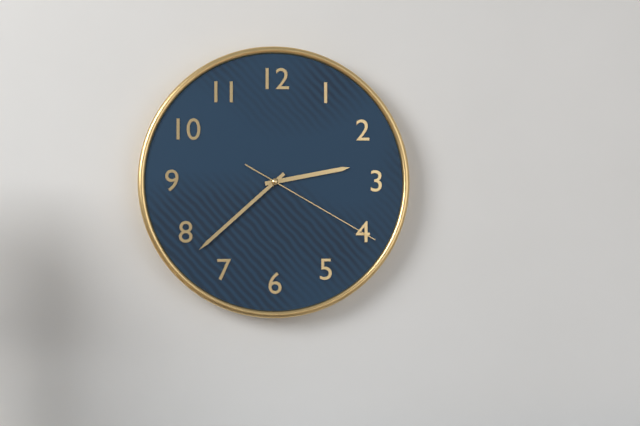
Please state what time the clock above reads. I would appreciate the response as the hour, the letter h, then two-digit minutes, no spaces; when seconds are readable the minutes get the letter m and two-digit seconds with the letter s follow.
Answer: 2h38m20s
